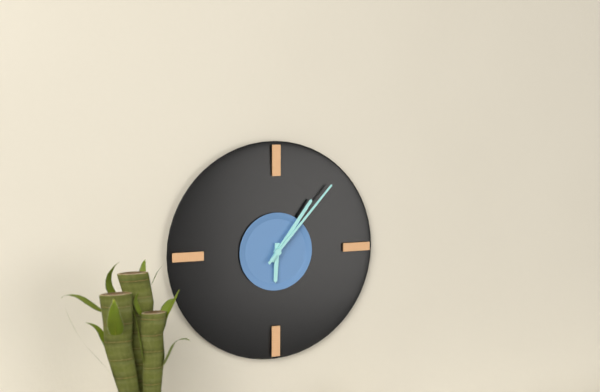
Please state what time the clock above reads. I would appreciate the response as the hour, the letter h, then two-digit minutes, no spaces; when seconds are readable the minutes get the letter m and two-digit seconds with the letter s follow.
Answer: 6h06m07s
